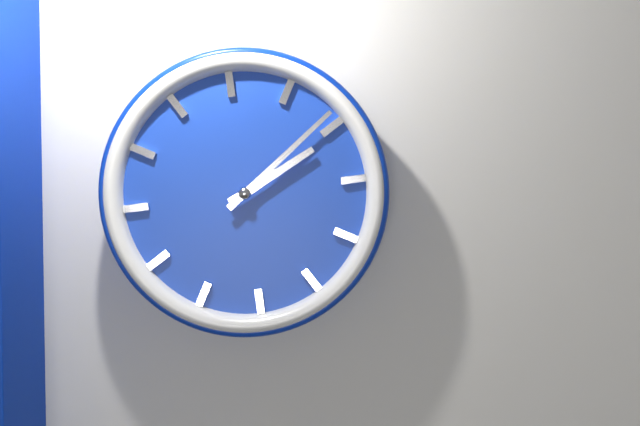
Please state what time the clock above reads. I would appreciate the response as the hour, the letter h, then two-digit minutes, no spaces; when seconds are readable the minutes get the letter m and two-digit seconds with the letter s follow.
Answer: 2h09
